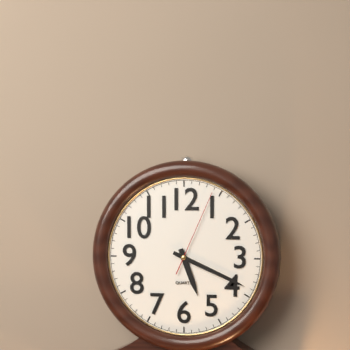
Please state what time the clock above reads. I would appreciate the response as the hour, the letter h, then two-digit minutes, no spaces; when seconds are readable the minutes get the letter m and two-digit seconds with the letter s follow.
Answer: 5h19m04s
